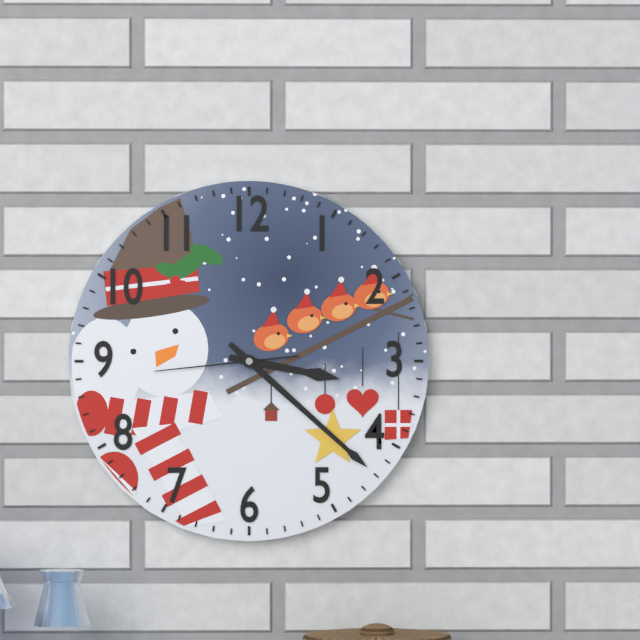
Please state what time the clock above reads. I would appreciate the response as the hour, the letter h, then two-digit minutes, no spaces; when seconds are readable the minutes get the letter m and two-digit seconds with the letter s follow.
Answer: 3h22m44s
